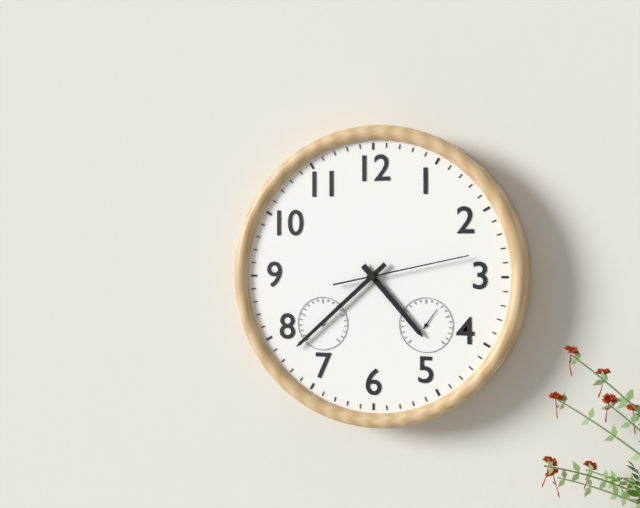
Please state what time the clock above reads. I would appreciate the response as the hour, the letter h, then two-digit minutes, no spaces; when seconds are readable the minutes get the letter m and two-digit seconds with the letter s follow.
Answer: 4h38m13s
